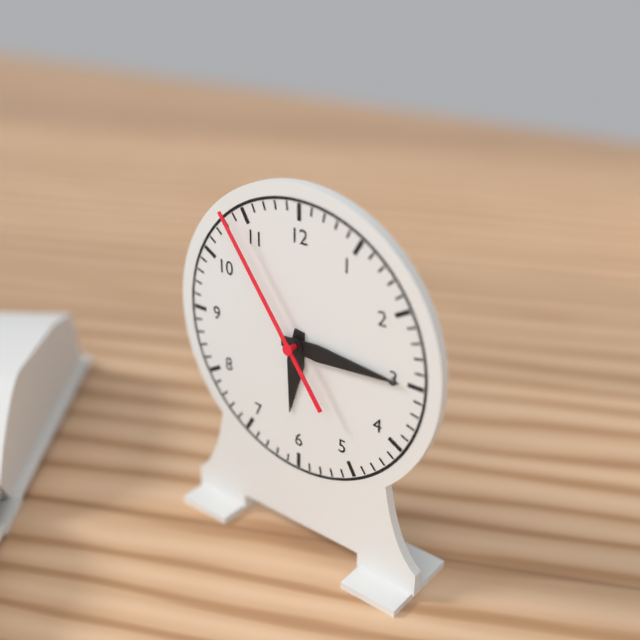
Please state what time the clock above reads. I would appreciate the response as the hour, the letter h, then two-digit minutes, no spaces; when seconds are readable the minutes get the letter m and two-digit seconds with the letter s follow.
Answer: 6h15m54s
